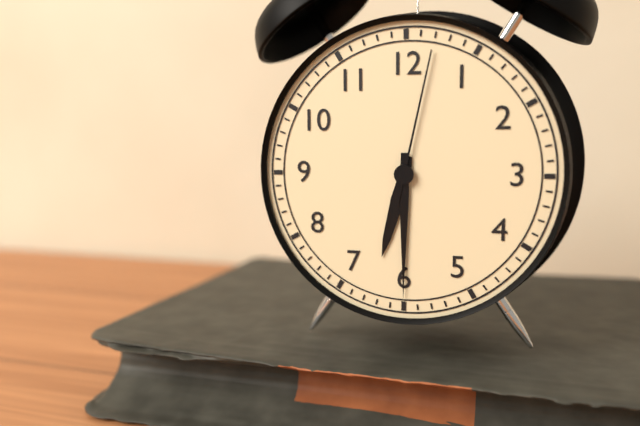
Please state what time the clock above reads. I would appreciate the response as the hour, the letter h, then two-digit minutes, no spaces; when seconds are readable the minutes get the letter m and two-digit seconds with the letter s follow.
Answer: 6h30m02s
